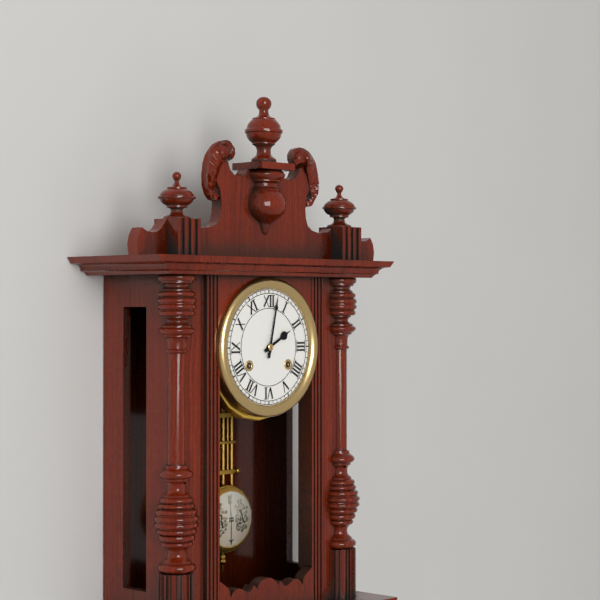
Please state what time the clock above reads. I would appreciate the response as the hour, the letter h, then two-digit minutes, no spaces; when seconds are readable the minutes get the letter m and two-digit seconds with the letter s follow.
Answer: 2h02
